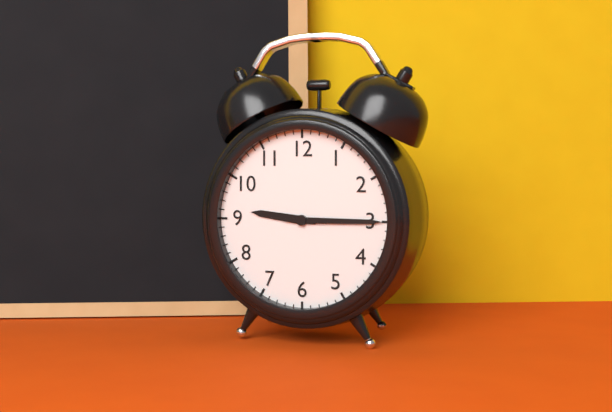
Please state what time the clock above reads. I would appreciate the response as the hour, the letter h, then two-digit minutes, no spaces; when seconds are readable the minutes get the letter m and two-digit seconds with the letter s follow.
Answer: 9h15
